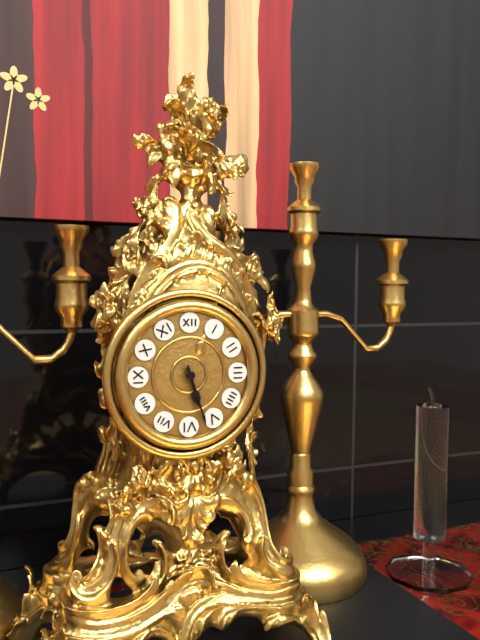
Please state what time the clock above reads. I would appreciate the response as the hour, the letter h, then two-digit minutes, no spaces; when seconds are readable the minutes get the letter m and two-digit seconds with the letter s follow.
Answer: 5h27
